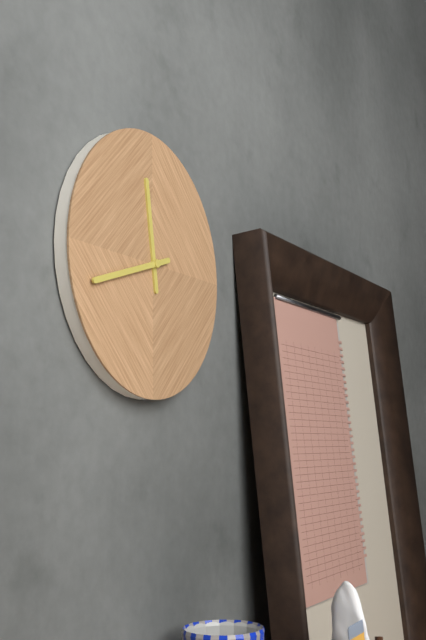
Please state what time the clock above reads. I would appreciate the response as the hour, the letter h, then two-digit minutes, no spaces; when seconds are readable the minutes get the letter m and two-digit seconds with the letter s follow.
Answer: 11h42
